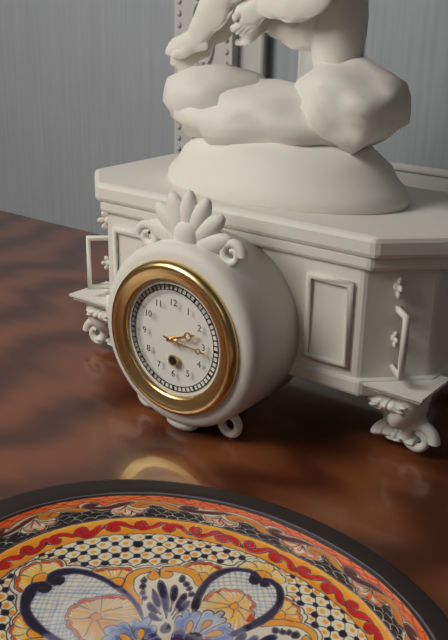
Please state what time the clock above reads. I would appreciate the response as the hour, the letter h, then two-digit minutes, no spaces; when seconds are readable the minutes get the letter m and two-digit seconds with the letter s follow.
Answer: 2h16
